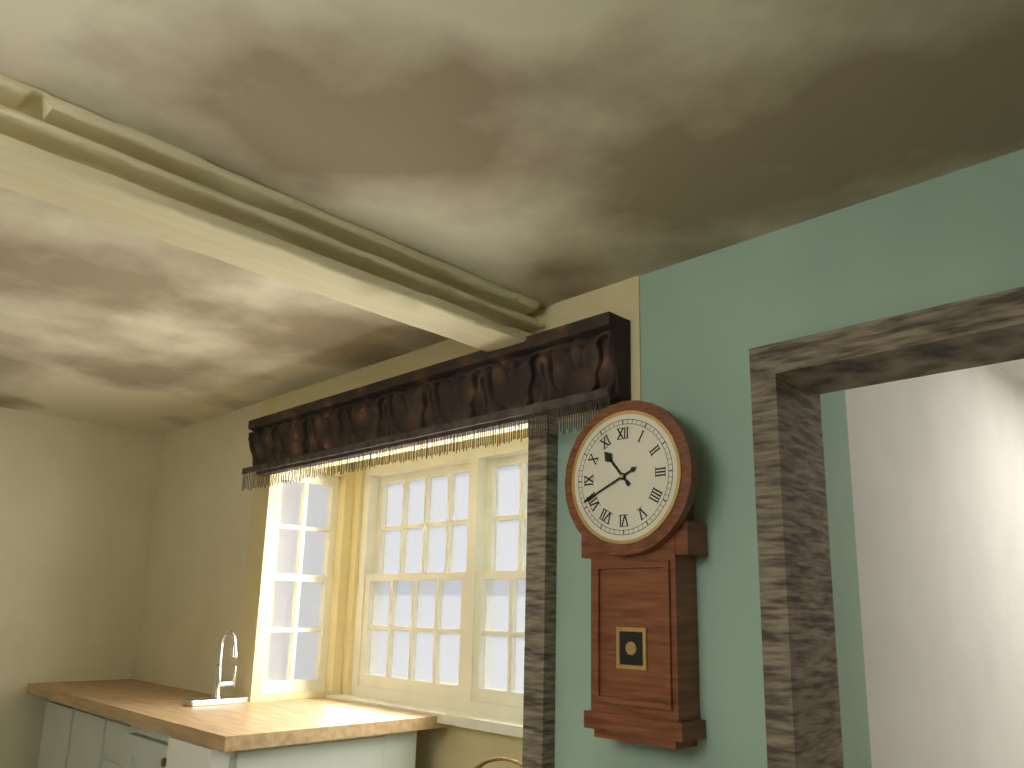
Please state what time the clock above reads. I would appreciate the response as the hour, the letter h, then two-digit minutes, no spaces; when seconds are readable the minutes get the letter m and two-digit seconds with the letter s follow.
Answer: 10h41
